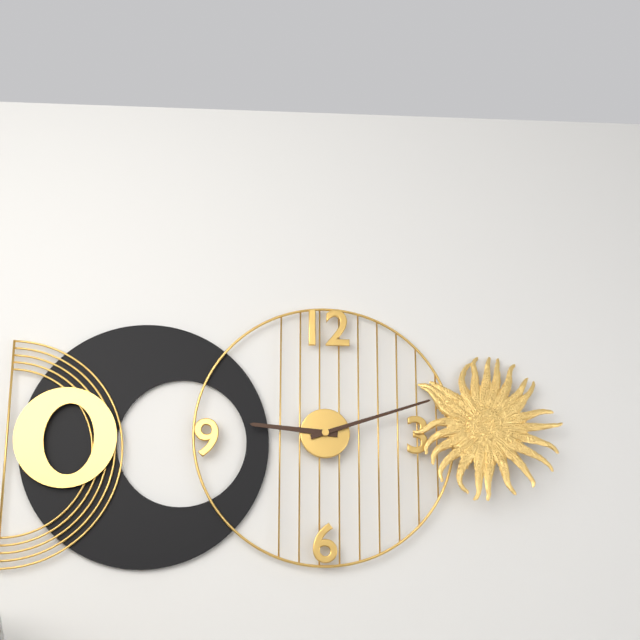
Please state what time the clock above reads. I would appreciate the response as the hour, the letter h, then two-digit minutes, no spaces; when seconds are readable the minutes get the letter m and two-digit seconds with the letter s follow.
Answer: 9h12
